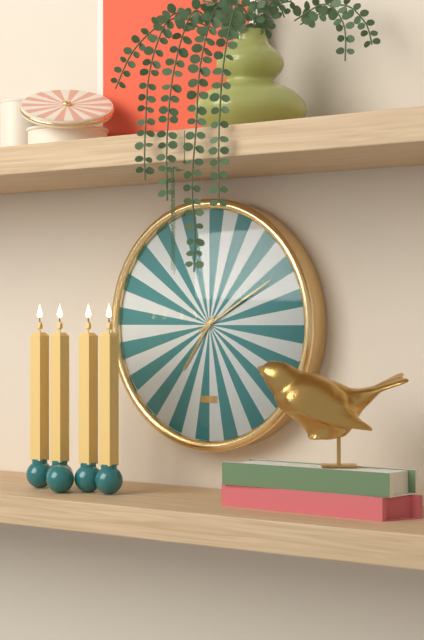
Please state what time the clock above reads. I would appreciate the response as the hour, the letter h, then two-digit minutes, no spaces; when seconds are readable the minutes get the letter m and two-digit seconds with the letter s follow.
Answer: 7h10
